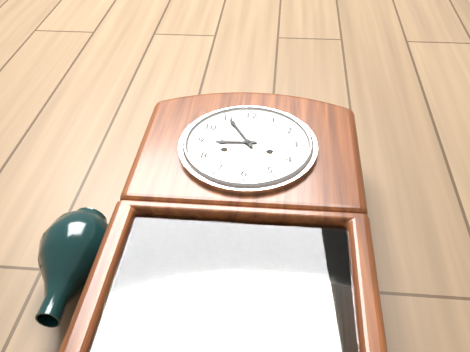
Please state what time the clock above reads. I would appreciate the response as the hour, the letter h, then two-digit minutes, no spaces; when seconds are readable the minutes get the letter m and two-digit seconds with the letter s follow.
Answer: 8h55
